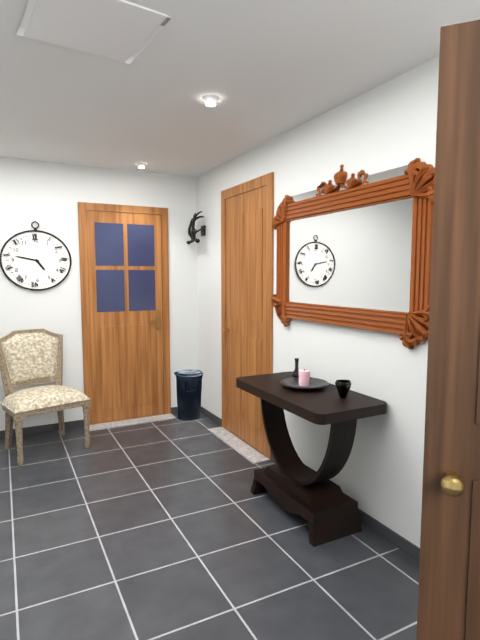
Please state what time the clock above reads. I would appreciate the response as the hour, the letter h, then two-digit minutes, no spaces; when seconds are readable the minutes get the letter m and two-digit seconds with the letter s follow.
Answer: 4h47
